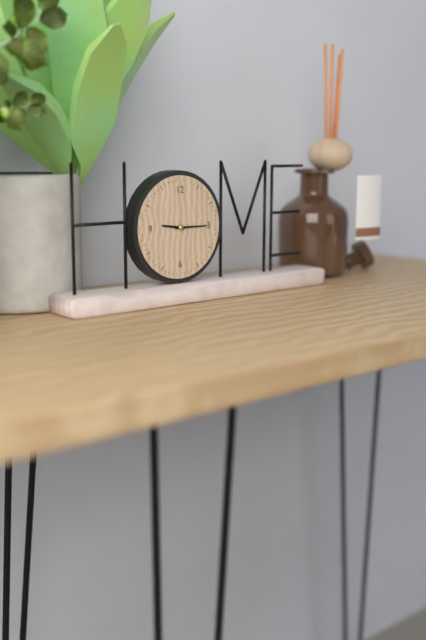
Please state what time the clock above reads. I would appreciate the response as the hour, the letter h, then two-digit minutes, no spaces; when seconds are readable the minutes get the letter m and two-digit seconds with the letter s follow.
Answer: 9h15
